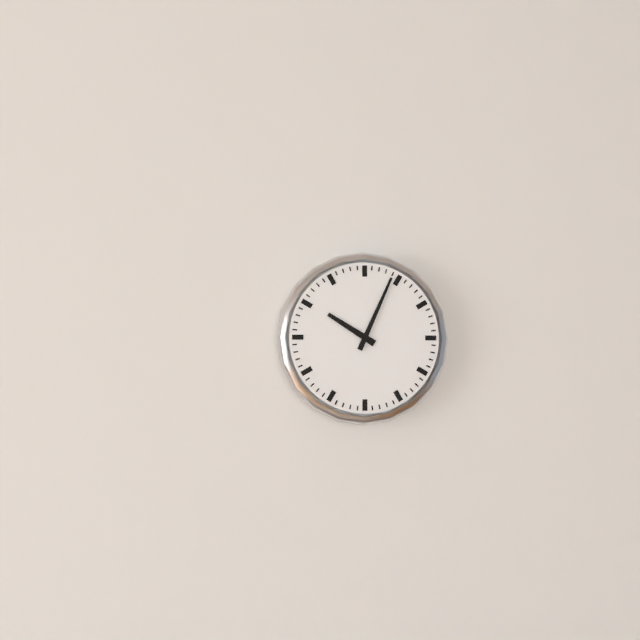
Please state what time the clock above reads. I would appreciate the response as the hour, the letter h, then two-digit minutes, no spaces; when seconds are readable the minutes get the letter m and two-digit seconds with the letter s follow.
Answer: 10h04
